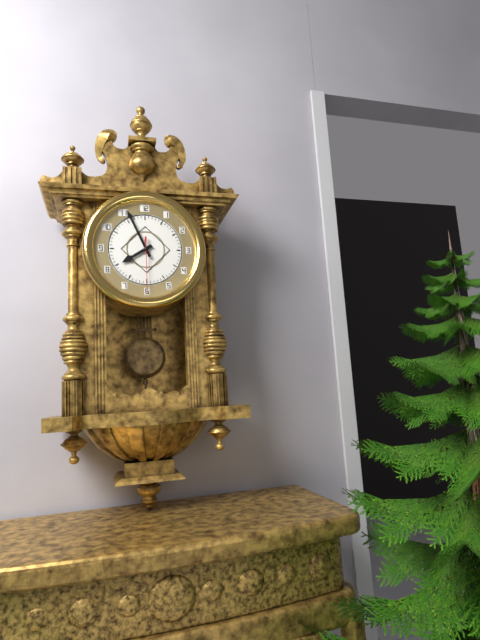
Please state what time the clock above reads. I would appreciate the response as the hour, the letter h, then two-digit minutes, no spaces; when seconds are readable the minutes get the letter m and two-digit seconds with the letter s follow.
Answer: 7h56m30s
